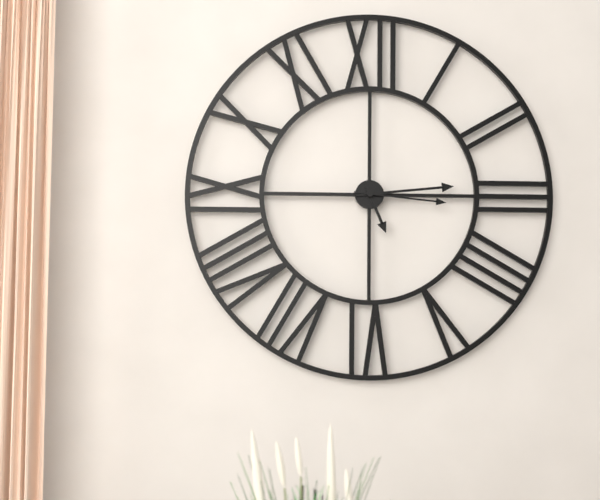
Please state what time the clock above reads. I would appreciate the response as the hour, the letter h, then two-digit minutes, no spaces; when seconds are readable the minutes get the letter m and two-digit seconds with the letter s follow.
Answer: 5h14m16s
